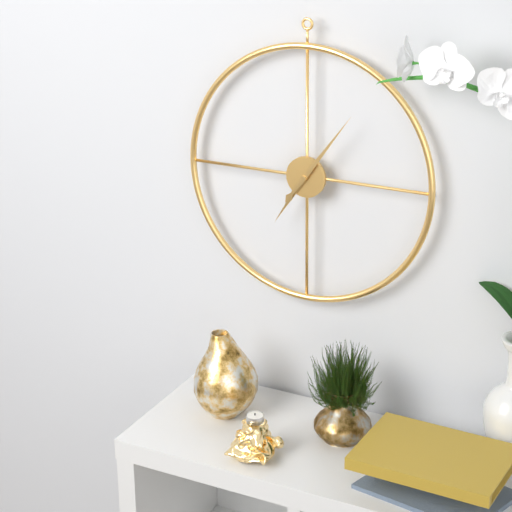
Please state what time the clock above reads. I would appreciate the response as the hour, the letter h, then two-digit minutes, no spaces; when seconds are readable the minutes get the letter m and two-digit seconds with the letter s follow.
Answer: 7h06
